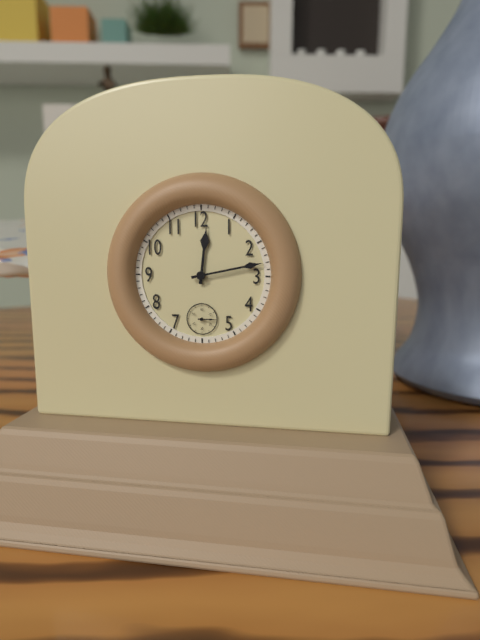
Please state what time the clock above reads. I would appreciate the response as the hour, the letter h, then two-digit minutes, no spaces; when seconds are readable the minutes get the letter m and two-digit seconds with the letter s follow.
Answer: 12h13
